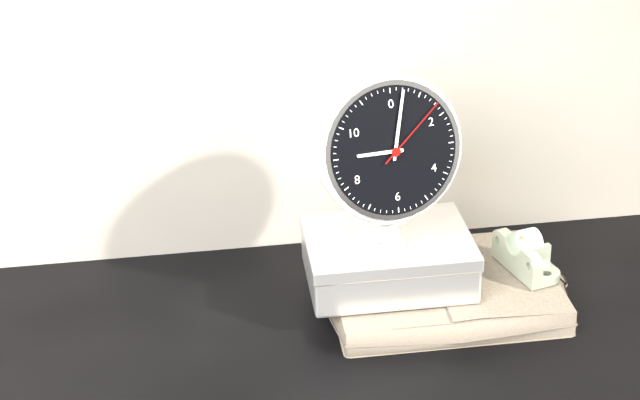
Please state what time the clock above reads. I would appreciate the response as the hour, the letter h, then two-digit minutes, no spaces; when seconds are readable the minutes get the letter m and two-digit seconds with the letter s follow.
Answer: 9h02m08s
